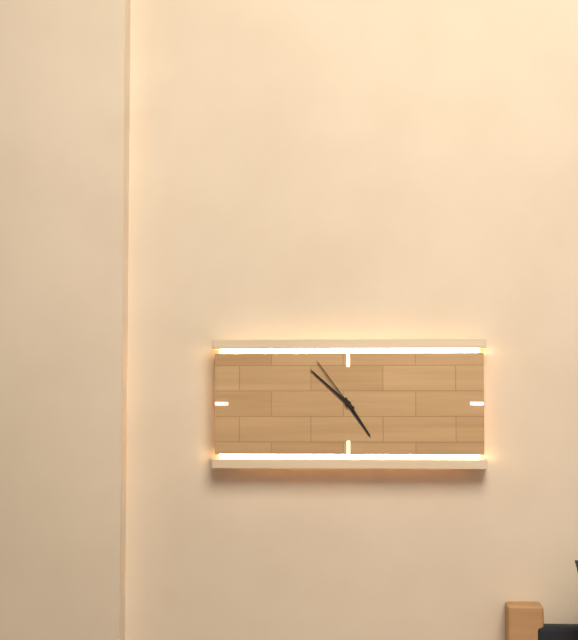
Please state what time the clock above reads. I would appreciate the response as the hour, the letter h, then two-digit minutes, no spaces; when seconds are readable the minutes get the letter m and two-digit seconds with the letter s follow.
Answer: 4h52m54s
